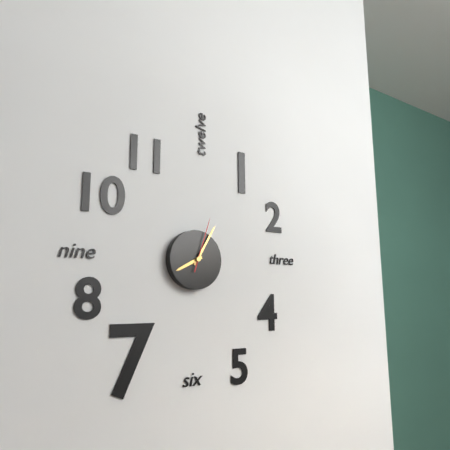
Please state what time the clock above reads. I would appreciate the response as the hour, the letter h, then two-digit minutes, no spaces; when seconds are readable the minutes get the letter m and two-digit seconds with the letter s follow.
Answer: 8h05m03s
